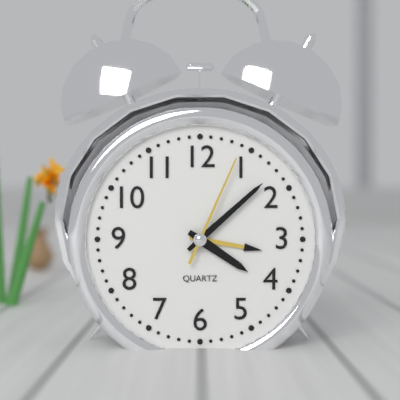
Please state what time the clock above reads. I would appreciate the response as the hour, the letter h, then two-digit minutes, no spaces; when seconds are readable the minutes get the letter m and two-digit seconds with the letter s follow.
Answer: 4h08m04s
